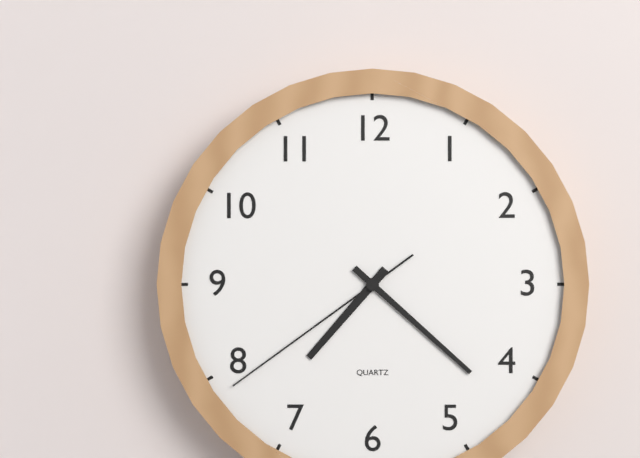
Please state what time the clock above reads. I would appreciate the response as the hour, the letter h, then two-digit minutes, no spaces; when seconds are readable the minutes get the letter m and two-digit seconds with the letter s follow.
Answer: 7h22m39s
